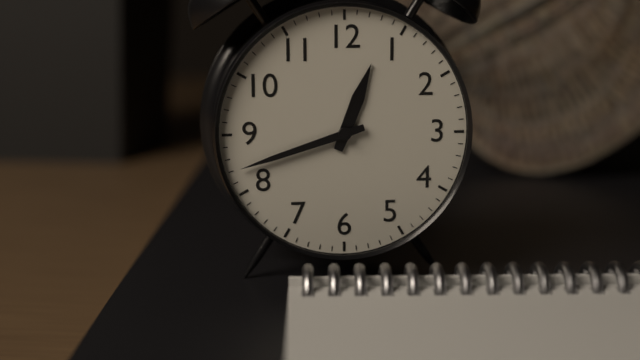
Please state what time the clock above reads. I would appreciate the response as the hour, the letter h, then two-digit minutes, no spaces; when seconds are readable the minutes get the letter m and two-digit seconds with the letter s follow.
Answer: 12h42
